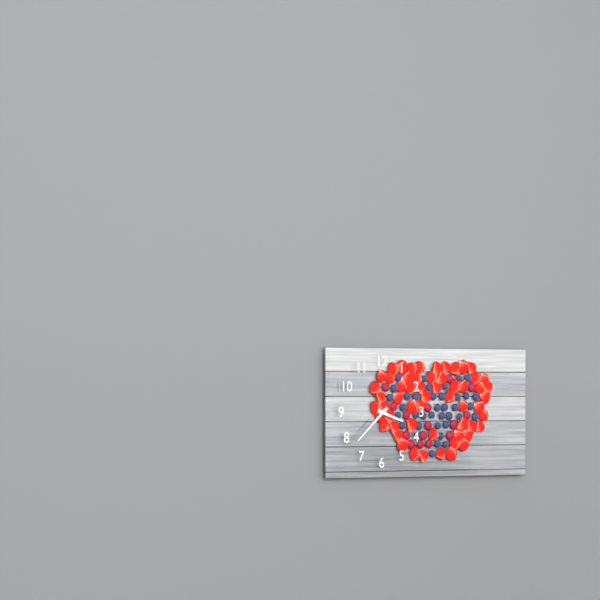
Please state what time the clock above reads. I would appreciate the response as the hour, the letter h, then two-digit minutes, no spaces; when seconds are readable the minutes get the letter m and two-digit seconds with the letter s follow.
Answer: 3h38
